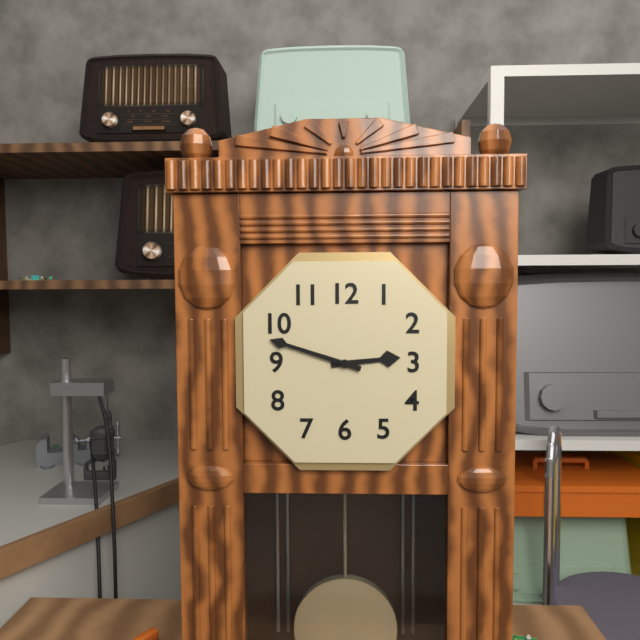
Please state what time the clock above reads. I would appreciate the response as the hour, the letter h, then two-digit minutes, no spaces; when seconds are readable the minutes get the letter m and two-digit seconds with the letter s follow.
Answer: 2h48
